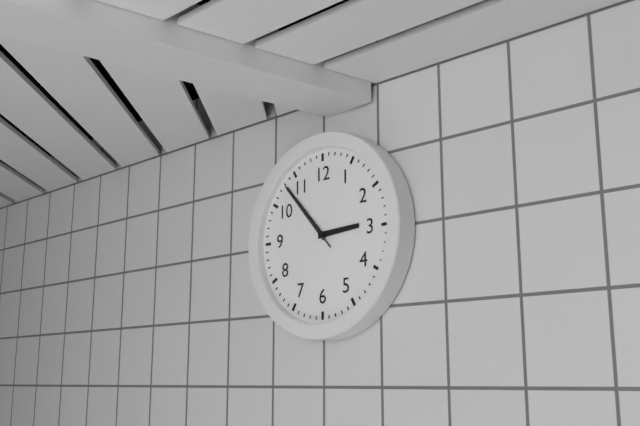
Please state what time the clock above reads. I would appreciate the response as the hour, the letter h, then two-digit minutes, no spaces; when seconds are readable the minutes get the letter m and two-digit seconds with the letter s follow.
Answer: 2h53m53s
